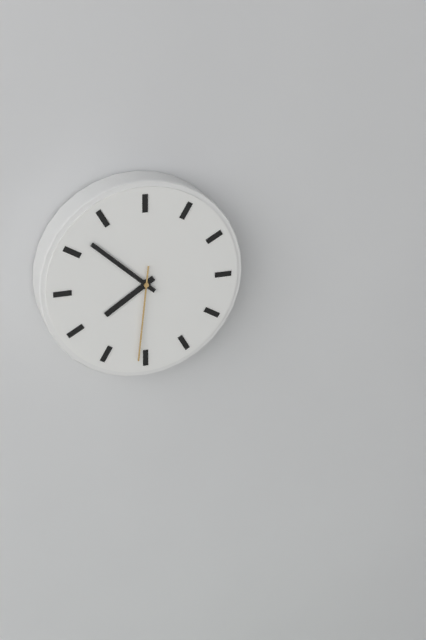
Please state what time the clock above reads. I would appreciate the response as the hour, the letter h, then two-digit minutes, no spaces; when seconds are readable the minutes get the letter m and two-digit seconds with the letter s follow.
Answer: 7h52m31s
